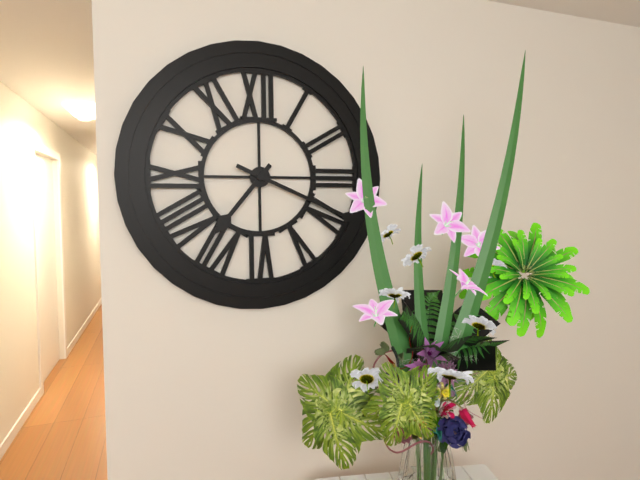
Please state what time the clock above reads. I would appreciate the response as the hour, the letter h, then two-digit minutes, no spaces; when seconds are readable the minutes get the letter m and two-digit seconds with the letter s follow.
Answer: 7h19
